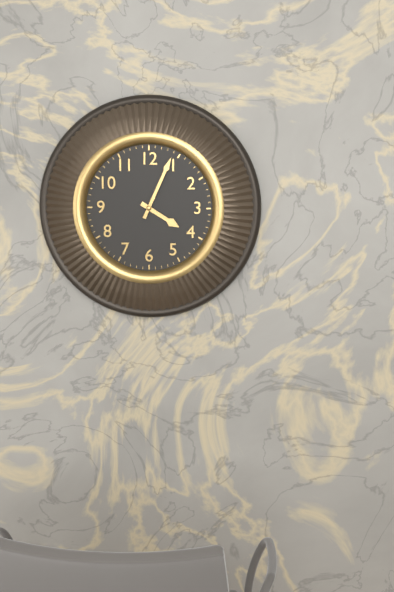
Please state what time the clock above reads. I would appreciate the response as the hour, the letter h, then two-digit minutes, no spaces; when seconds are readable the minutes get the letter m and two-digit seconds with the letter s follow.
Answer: 4h04
